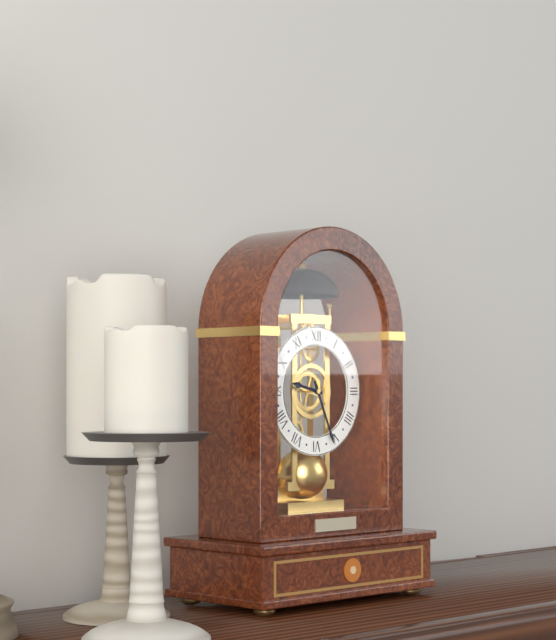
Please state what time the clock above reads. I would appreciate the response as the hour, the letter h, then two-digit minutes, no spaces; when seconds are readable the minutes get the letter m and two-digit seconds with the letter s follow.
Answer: 9h26
